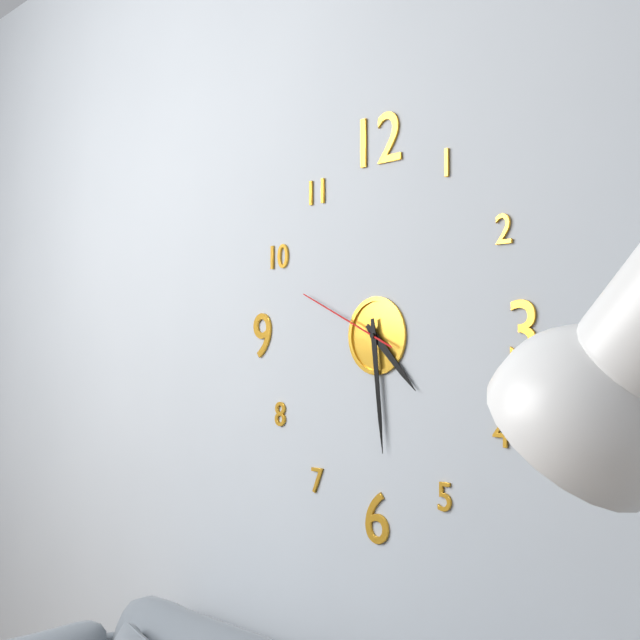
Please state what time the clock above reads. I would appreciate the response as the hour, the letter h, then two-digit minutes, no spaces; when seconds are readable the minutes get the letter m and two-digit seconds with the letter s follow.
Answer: 4h29m49s
